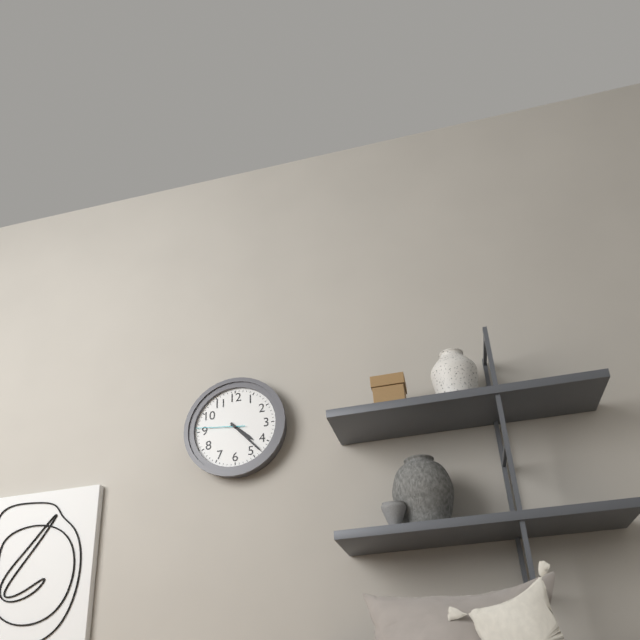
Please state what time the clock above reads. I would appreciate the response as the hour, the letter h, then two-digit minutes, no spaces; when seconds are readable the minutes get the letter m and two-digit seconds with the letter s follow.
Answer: 4h23
